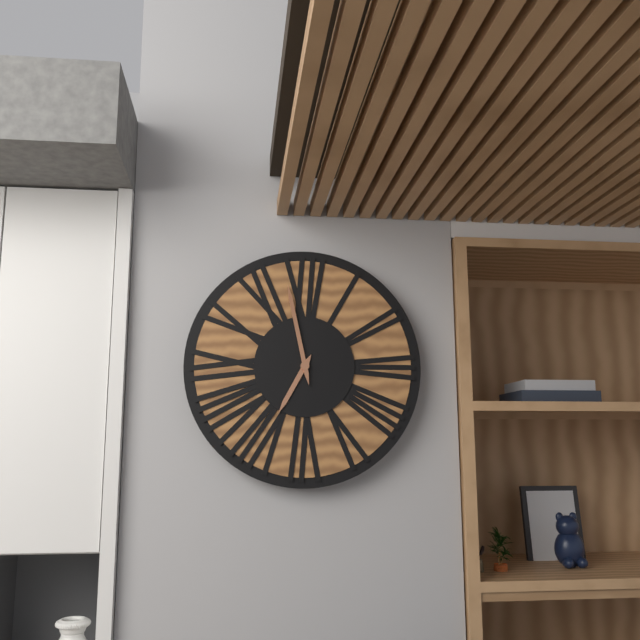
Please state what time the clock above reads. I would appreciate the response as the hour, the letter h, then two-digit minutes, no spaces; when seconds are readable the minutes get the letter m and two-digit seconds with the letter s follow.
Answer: 6h58
